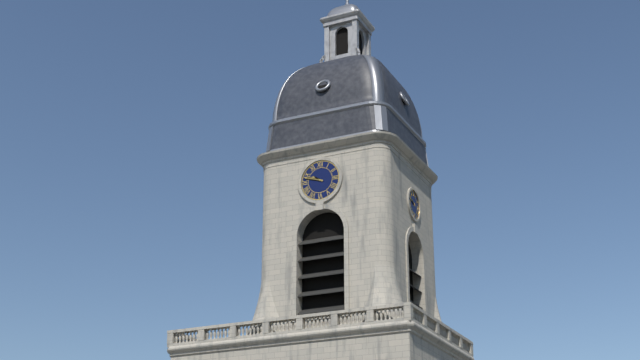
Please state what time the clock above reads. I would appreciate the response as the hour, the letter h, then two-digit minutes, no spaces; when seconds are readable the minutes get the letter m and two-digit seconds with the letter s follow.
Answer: 9h48
